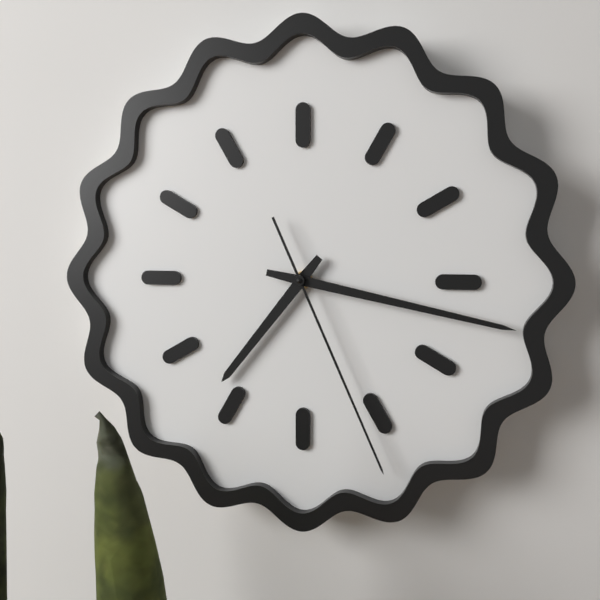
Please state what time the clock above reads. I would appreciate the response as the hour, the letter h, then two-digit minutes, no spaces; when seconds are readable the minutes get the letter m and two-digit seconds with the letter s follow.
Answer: 7h17m26s
